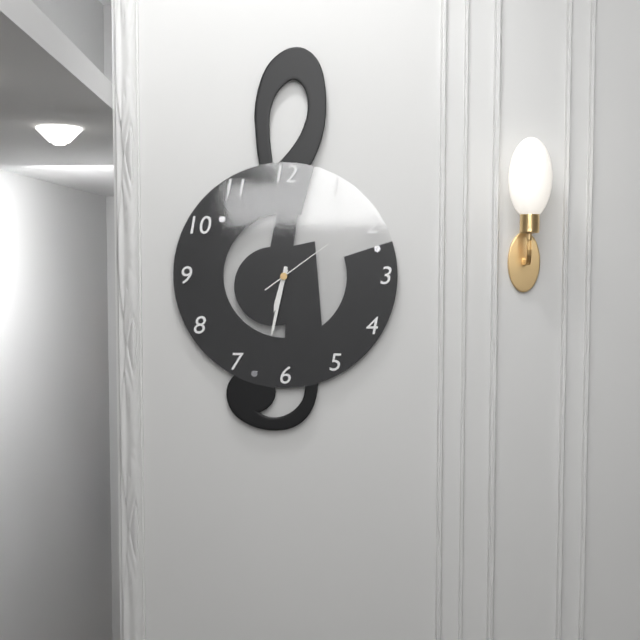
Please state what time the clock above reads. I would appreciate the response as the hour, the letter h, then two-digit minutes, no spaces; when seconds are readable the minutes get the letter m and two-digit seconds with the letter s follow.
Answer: 6h32m09s
